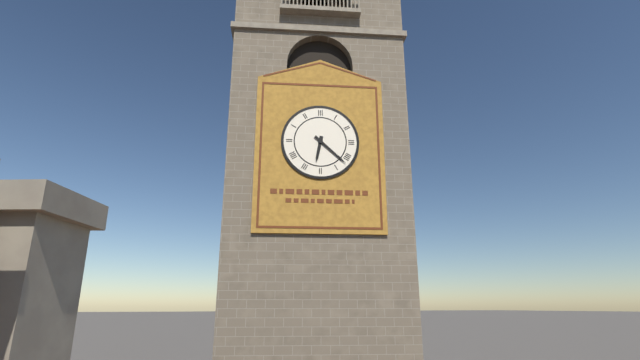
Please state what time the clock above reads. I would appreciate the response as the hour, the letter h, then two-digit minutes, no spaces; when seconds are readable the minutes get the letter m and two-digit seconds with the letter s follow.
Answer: 6h22
